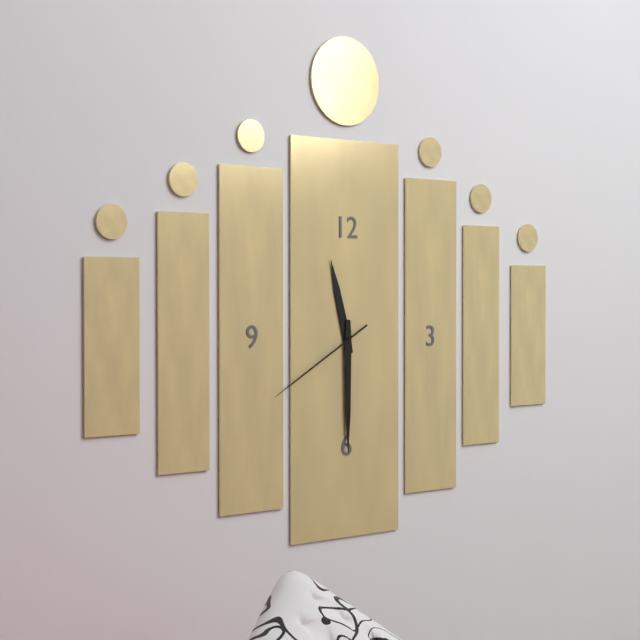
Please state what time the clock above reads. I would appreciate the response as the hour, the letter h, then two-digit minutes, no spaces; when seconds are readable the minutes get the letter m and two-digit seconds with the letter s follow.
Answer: 11h30m40s
